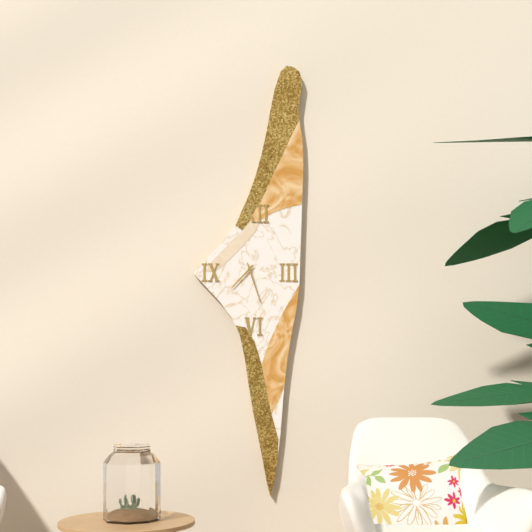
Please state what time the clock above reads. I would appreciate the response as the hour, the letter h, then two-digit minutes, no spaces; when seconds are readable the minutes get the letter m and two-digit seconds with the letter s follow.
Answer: 7h27
